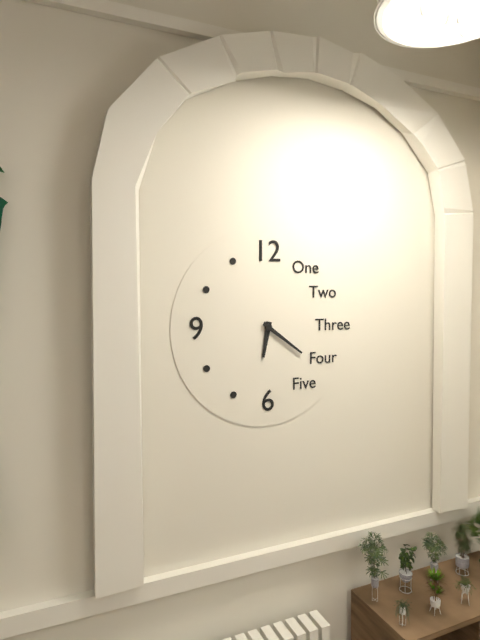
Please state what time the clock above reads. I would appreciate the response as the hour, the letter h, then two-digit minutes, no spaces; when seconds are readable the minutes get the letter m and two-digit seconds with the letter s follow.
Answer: 6h21
